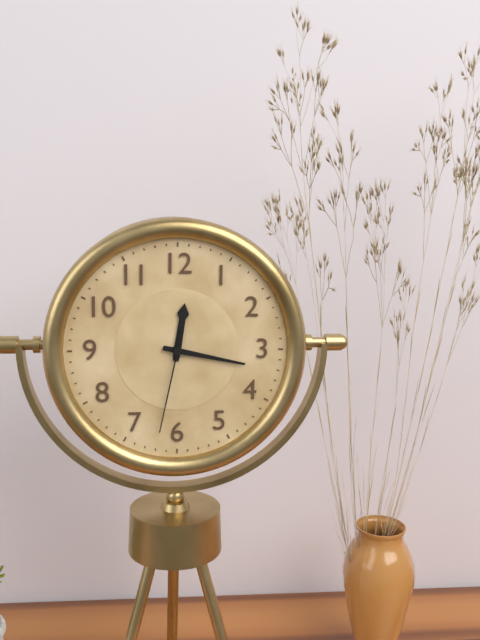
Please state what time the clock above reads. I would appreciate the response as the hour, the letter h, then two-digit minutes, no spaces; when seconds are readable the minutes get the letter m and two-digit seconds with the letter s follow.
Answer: 12h17m32s
